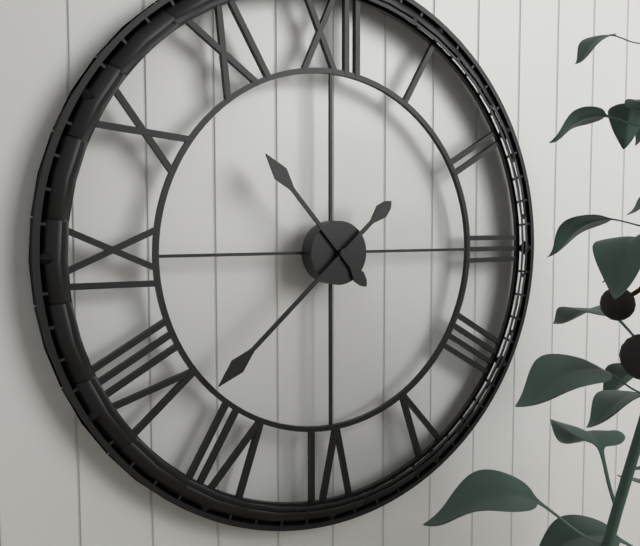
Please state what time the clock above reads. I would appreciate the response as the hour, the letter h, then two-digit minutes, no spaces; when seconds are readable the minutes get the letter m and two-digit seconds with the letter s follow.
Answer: 10h38
